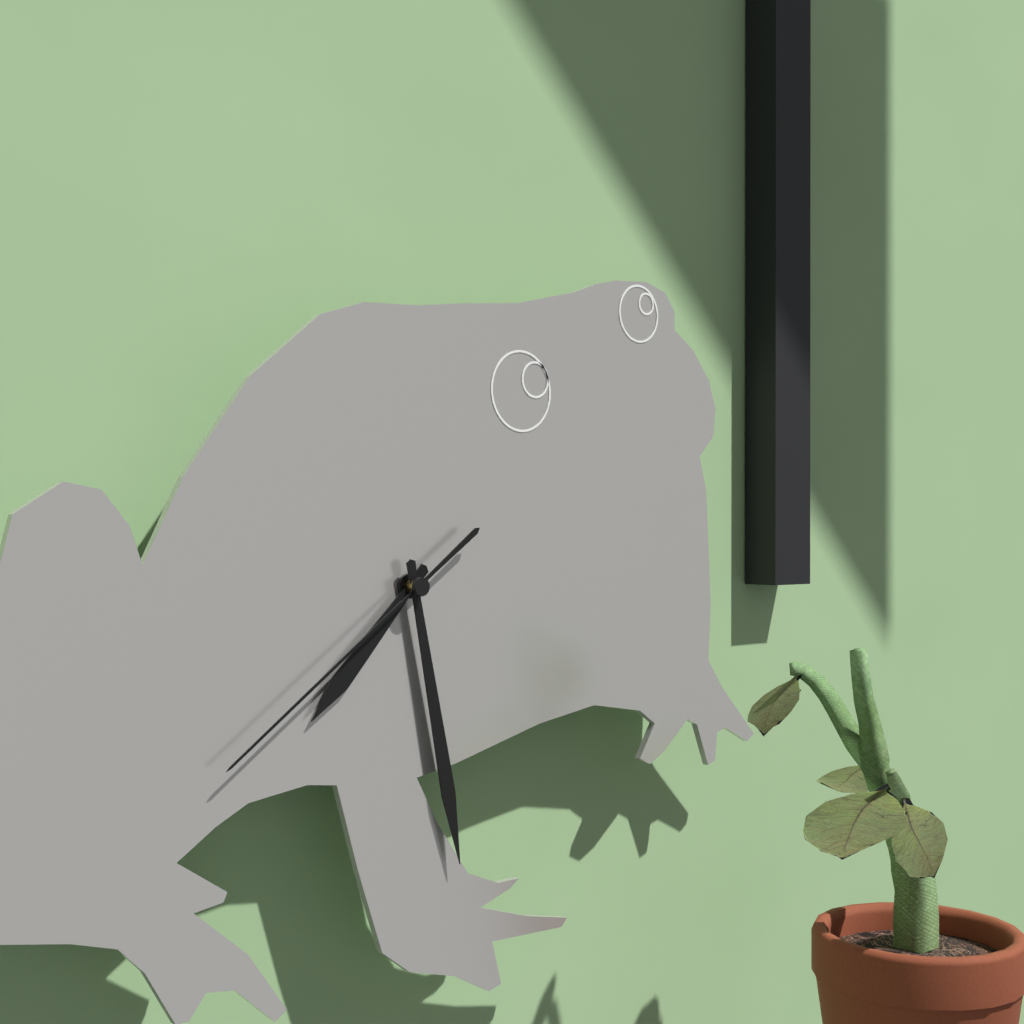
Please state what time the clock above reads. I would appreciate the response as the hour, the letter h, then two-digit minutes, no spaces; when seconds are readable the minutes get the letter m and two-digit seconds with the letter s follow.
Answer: 7h28m39s
